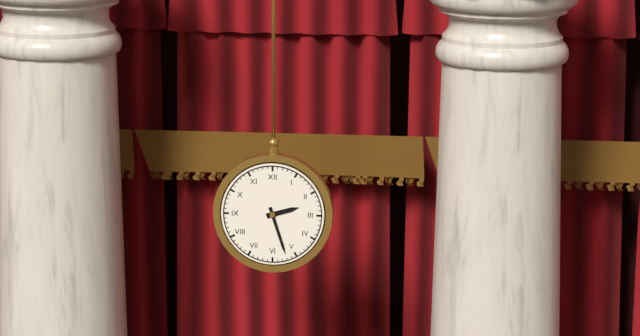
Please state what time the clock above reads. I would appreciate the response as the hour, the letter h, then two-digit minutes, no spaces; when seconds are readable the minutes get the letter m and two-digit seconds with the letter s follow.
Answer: 2h27
